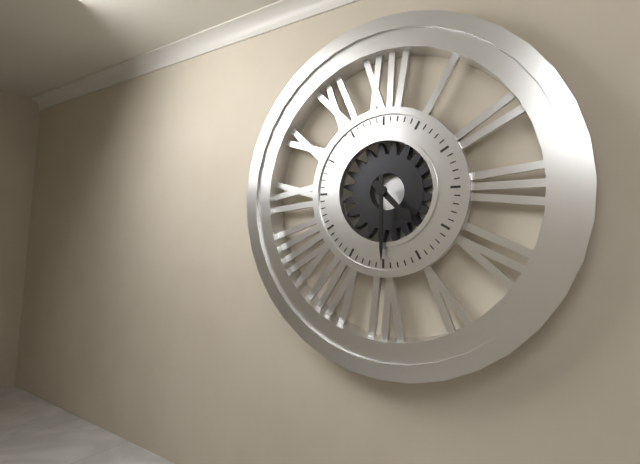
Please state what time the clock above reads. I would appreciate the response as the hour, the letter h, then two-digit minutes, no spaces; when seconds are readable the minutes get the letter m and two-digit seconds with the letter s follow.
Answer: 4h30
